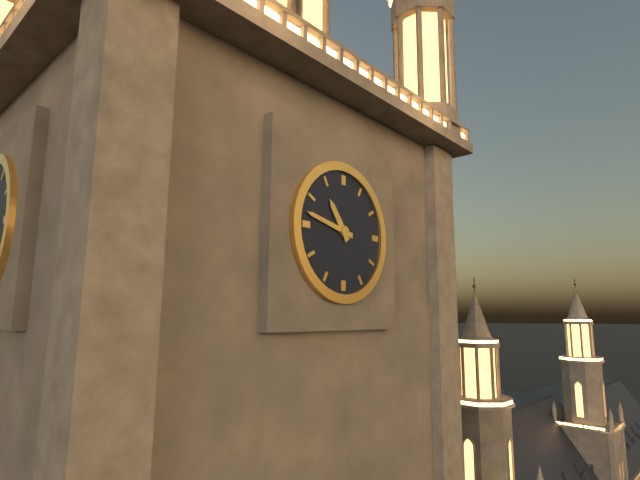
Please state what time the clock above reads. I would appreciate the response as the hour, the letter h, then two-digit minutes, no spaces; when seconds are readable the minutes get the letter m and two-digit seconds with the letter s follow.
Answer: 10h47
